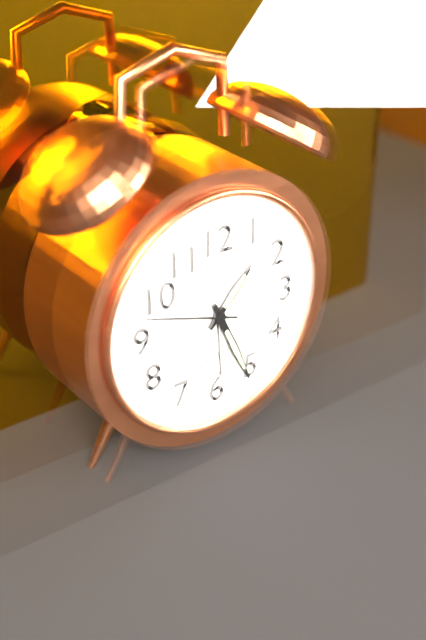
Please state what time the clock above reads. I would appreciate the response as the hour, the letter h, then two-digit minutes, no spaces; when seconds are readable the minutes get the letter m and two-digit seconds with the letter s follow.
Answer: 1h26m48s
